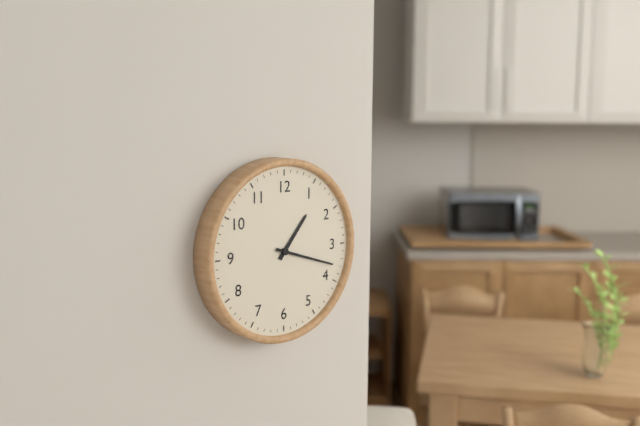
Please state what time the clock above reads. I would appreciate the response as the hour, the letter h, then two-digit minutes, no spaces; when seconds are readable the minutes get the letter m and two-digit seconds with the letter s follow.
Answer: 1h18
